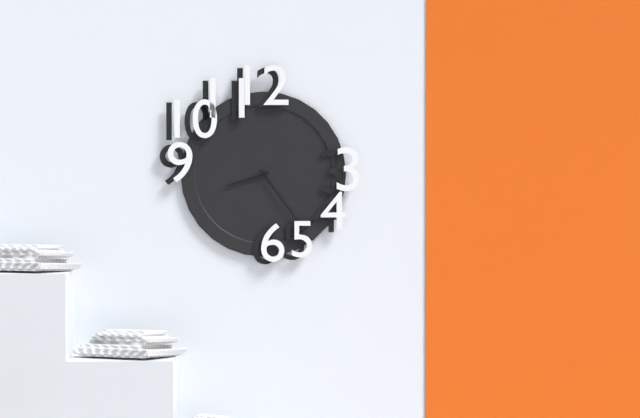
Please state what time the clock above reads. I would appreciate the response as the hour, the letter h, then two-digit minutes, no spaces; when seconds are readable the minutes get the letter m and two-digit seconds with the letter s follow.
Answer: 8h24
